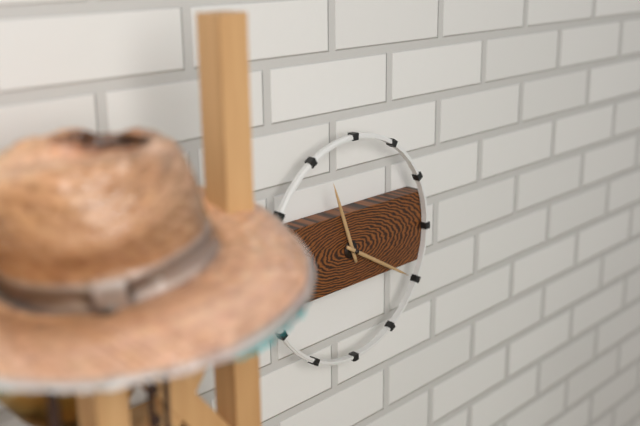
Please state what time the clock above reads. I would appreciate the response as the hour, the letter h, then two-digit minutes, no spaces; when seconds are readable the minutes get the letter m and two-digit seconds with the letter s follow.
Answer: 11h20
